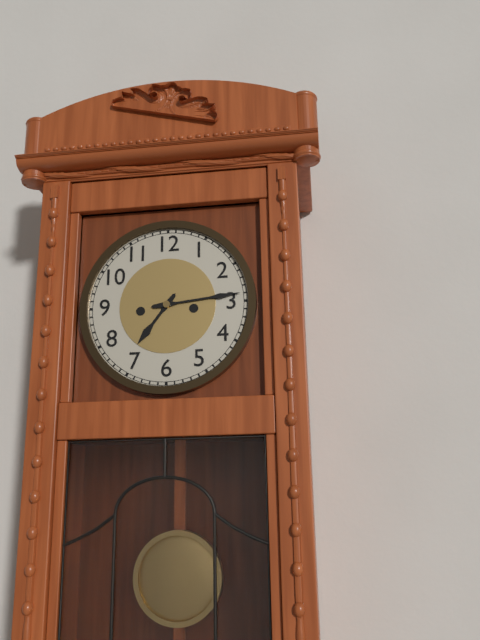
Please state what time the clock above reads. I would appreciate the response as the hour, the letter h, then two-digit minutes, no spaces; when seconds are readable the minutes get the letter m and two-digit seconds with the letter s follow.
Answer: 7h14
